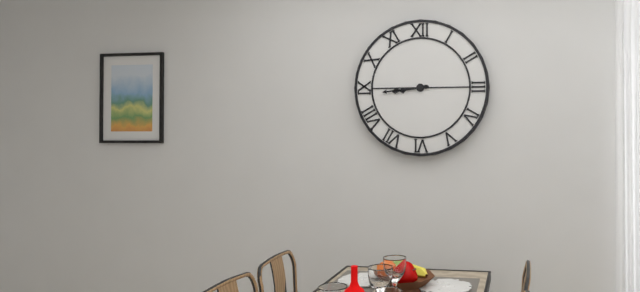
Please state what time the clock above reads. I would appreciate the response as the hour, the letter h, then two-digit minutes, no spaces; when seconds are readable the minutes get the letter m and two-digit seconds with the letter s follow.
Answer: 8h44
